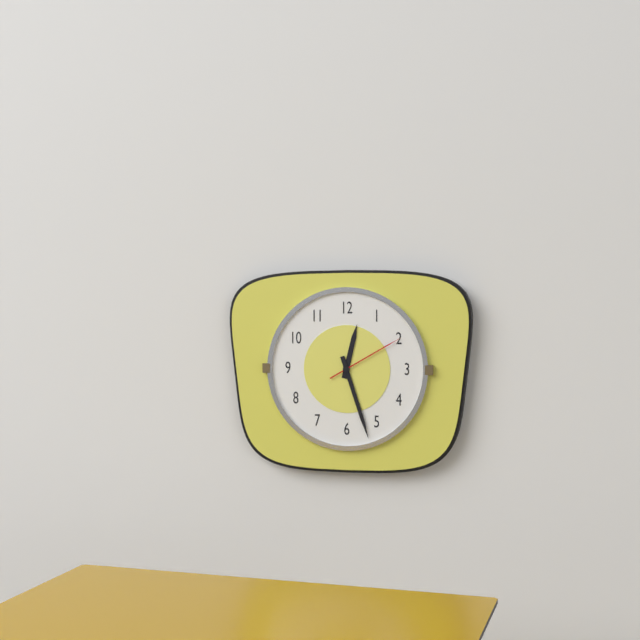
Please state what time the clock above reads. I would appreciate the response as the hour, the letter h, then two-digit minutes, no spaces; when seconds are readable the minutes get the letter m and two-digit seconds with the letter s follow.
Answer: 12h27m10s
